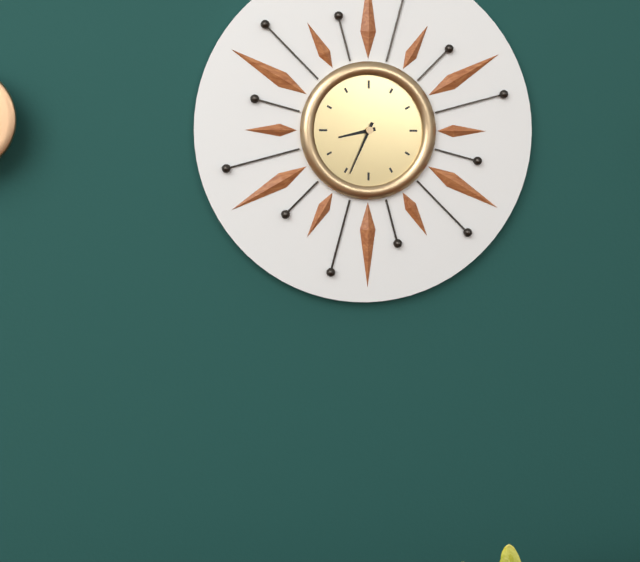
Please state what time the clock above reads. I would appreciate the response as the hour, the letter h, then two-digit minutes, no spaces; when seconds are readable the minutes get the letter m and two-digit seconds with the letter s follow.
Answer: 8h34
